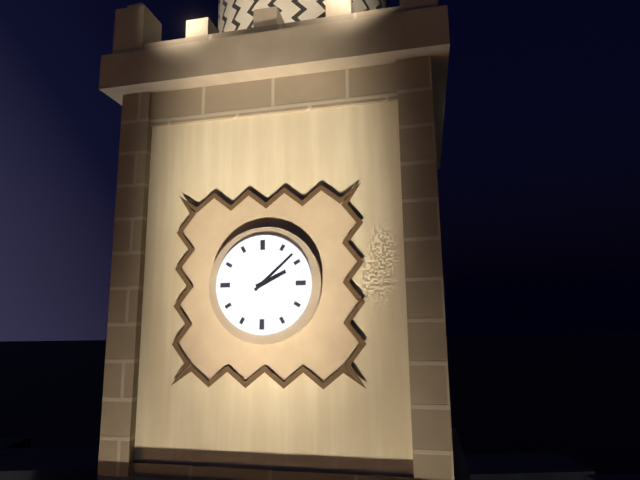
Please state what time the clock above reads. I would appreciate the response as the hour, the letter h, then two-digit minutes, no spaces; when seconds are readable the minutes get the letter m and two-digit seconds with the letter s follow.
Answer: 2h08
